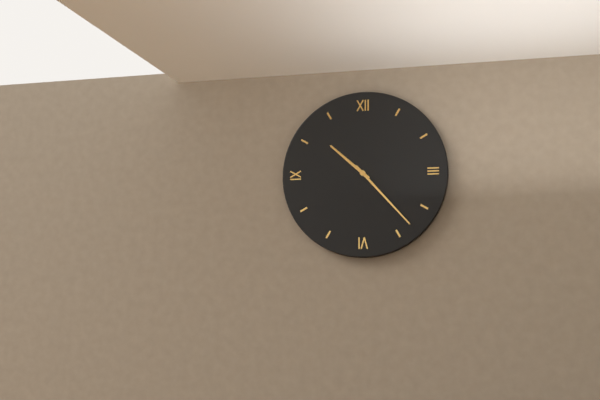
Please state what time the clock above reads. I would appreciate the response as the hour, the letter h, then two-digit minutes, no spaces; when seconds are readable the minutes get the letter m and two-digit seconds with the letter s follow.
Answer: 10h23
